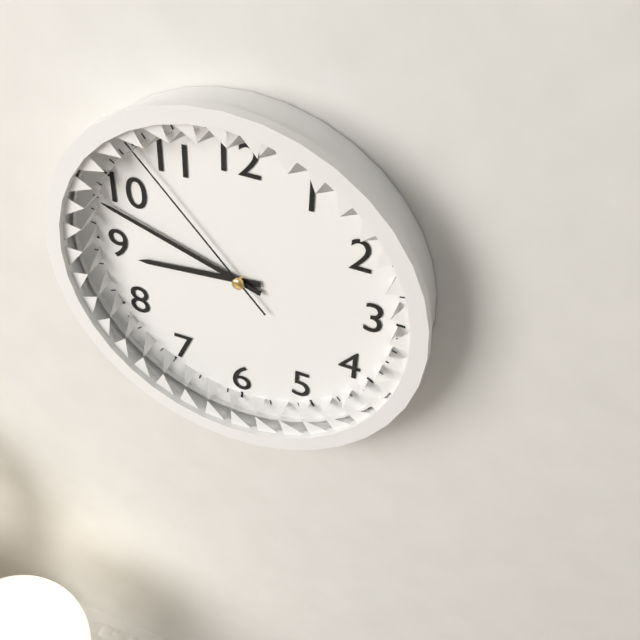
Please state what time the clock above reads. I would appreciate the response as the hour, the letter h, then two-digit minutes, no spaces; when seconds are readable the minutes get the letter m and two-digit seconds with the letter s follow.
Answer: 8h48m53s
